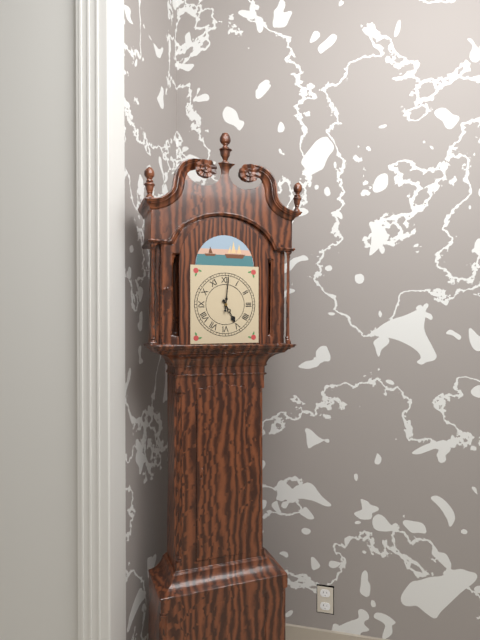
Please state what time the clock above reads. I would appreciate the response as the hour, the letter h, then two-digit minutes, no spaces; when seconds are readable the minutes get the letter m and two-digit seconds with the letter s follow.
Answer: 5h01
